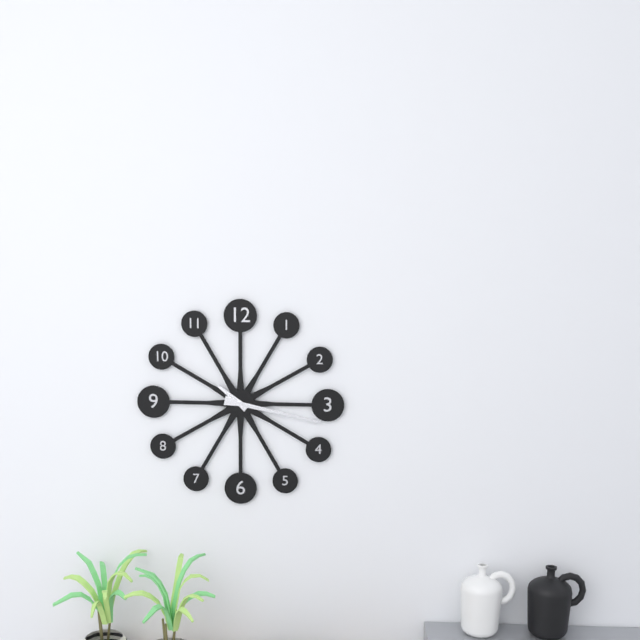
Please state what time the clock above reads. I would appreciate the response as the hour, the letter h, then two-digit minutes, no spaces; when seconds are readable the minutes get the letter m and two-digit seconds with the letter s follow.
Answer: 10h17
